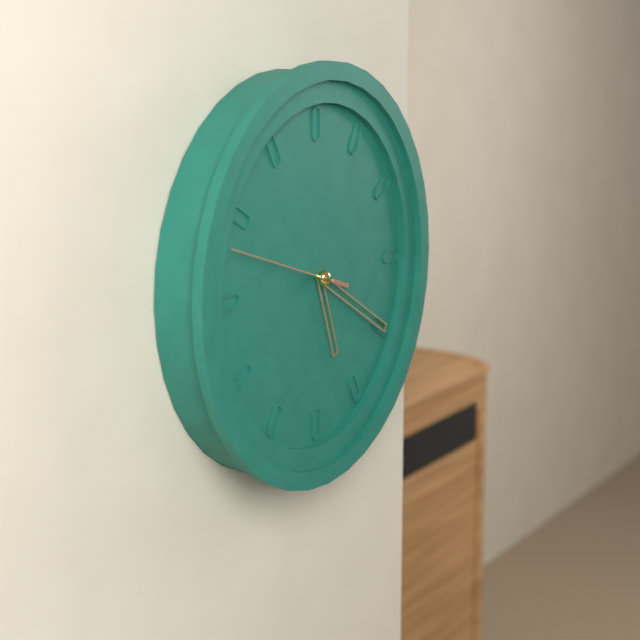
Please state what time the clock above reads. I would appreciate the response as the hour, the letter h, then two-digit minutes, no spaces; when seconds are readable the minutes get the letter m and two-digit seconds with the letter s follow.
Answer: 5h20m48s
